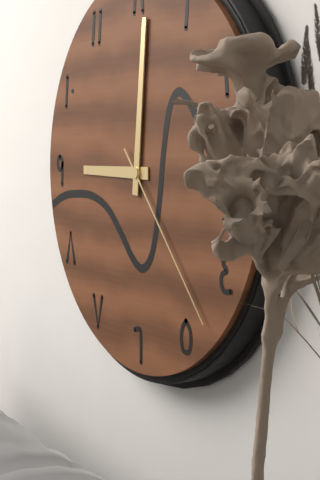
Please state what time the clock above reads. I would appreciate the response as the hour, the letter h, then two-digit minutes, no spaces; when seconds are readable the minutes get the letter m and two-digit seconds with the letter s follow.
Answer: 9h01m23s
